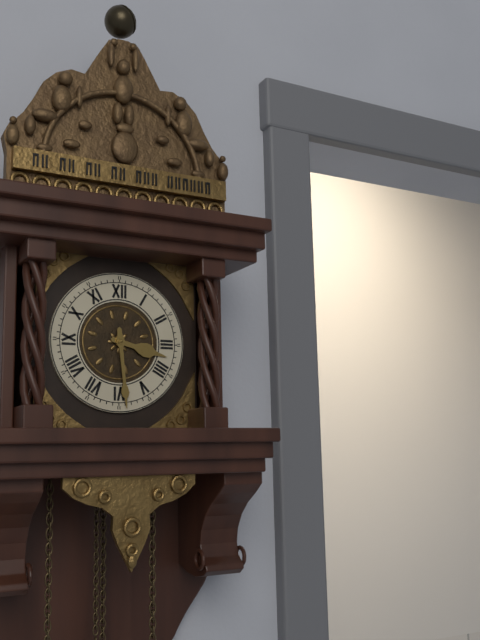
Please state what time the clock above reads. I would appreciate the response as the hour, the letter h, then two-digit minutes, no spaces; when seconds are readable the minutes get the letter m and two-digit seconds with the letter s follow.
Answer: 3h29
